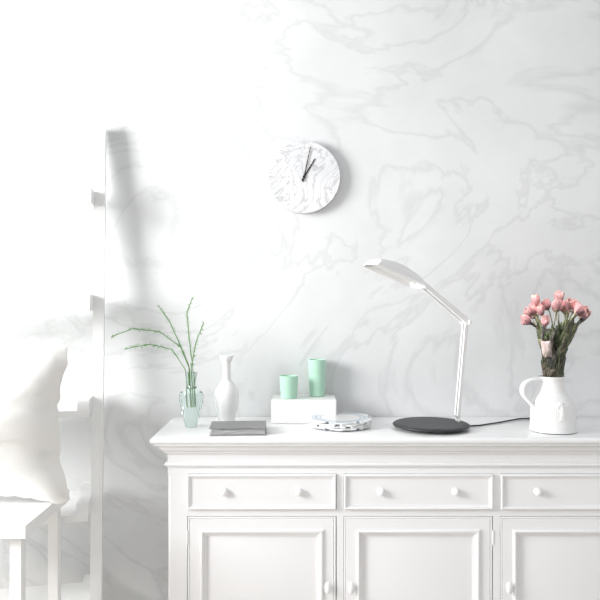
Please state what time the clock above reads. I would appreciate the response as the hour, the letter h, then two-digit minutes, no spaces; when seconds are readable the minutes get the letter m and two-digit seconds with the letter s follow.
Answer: 1h02
